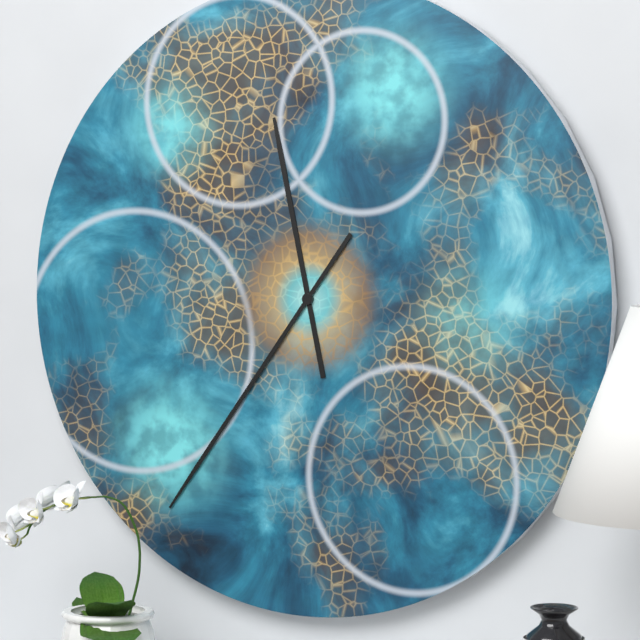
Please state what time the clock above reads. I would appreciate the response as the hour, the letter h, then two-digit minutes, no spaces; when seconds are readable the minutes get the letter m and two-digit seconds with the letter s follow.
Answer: 11h36
